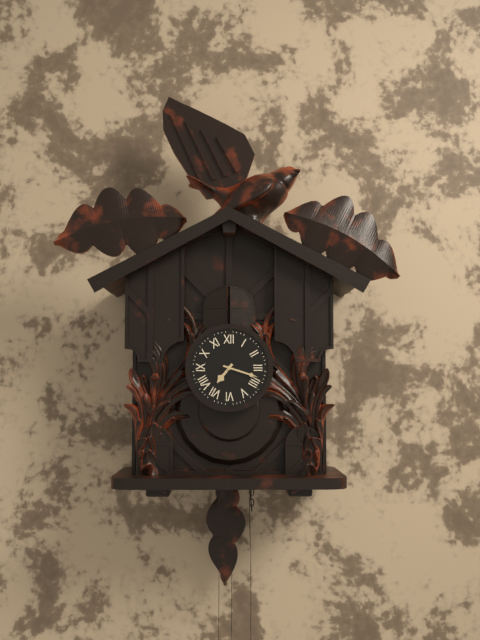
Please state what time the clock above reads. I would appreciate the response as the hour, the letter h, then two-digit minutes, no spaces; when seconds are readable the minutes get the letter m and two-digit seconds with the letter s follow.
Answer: 7h18
